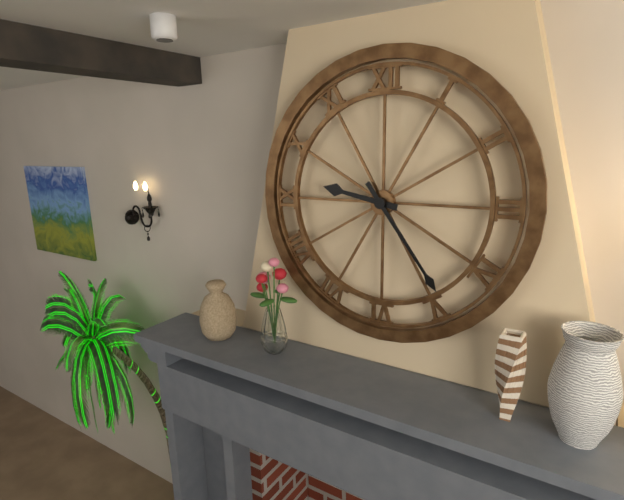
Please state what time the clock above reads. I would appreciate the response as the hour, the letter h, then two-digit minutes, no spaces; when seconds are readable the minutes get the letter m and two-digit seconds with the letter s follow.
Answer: 9h24
